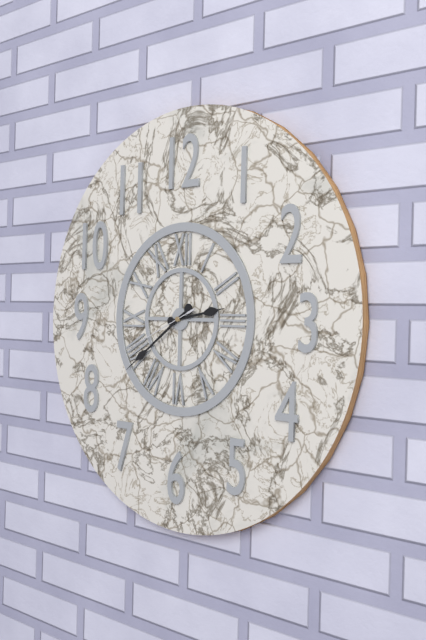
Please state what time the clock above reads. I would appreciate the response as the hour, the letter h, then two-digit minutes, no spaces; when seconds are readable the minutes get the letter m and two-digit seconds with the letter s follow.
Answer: 2h39m41s
